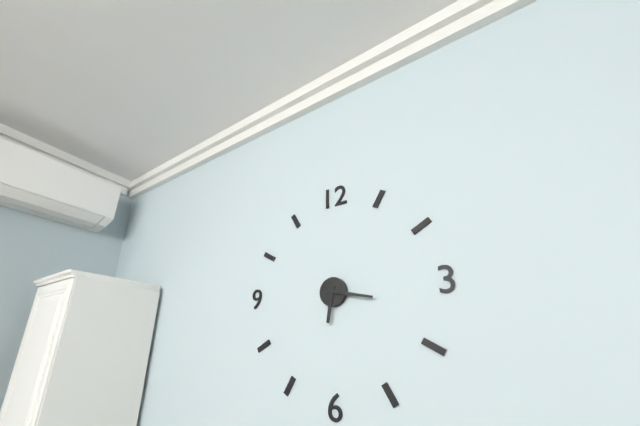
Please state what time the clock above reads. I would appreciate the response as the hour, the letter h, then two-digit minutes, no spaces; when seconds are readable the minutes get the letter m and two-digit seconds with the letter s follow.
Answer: 6h17
